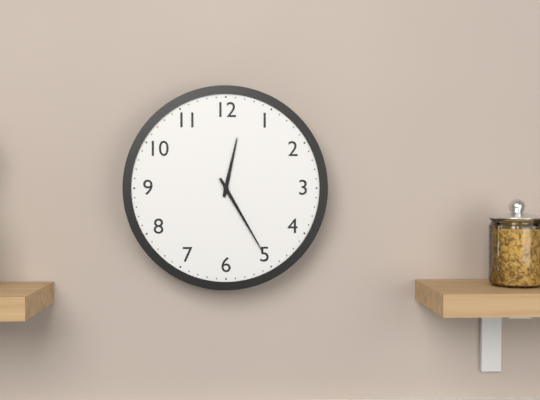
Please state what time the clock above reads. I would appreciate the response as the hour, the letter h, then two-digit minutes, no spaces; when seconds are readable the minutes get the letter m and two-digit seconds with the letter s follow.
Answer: 12h25
